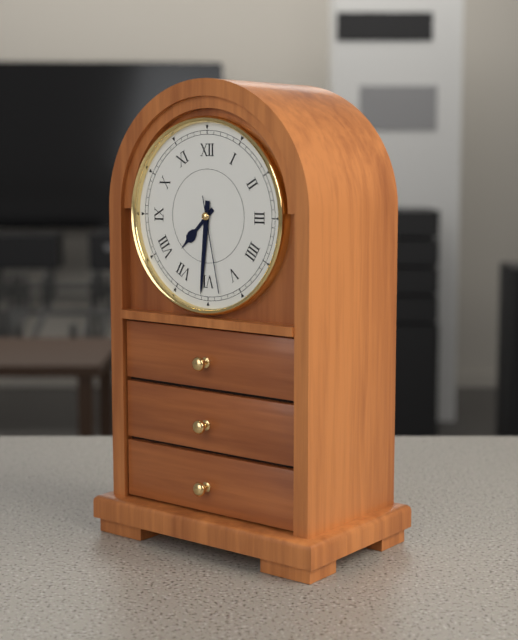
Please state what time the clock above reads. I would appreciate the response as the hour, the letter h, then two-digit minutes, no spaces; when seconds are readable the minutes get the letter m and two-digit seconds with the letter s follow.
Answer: 7h31m28s
